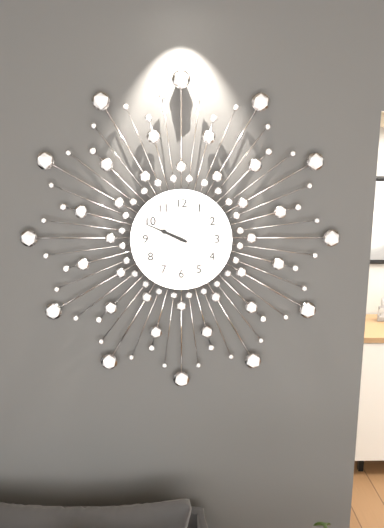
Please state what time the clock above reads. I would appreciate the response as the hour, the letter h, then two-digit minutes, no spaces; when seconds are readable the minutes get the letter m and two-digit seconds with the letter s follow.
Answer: 9h49
